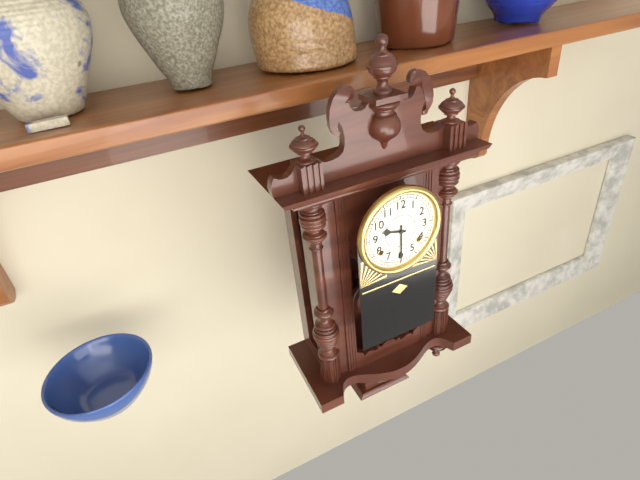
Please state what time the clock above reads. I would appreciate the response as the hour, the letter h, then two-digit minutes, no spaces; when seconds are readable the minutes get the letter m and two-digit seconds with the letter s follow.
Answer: 9h30
